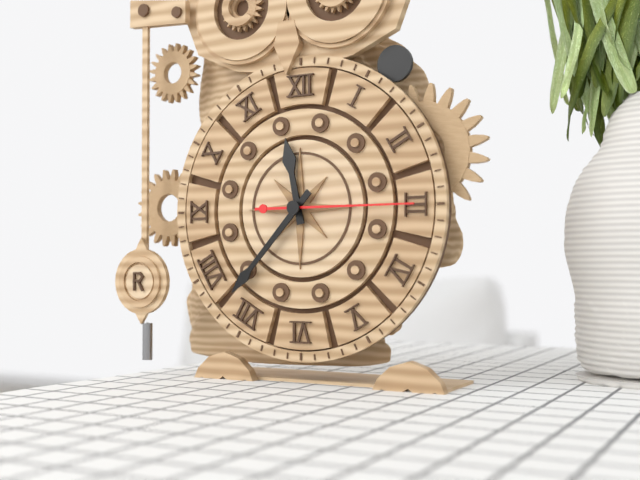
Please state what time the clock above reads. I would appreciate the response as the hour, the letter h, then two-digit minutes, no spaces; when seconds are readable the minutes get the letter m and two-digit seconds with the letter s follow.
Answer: 11h37m15s
